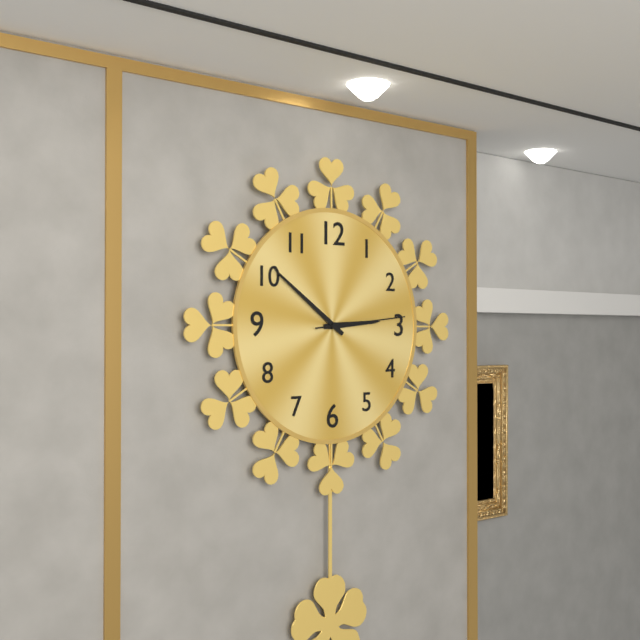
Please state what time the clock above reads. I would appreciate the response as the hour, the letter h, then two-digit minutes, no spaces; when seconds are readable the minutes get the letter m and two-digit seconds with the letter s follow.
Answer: 2h51m14s
